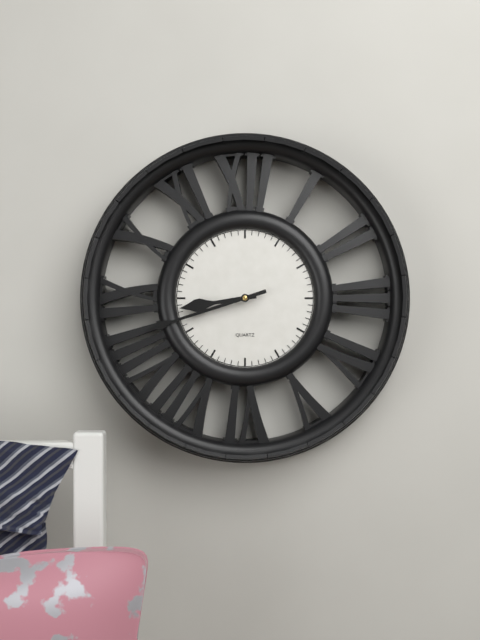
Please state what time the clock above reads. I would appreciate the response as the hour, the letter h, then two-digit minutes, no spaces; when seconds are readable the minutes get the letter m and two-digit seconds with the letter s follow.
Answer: 8h42
